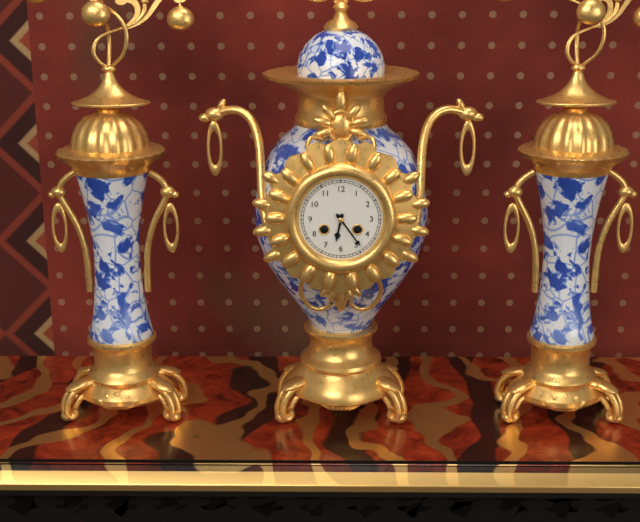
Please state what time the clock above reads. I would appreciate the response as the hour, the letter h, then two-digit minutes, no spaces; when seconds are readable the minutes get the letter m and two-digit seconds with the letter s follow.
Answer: 6h24
